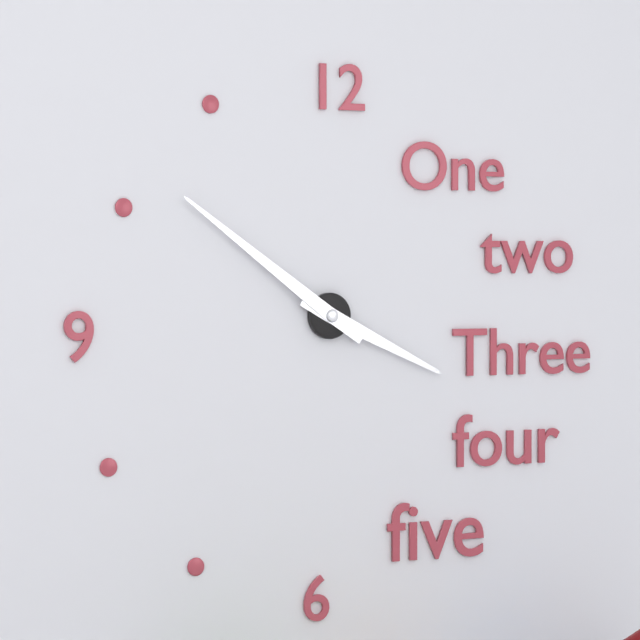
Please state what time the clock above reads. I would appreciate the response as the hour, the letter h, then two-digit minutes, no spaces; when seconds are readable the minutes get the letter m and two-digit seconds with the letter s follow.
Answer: 3h51
